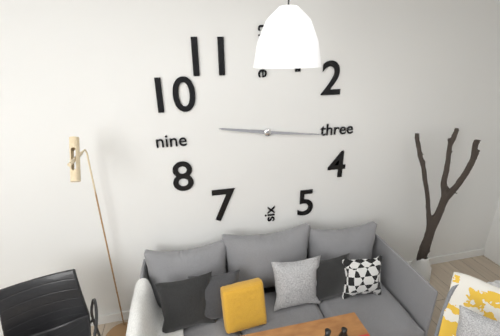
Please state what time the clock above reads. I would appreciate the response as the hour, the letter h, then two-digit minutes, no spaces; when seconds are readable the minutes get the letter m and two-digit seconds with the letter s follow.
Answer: 9h16
